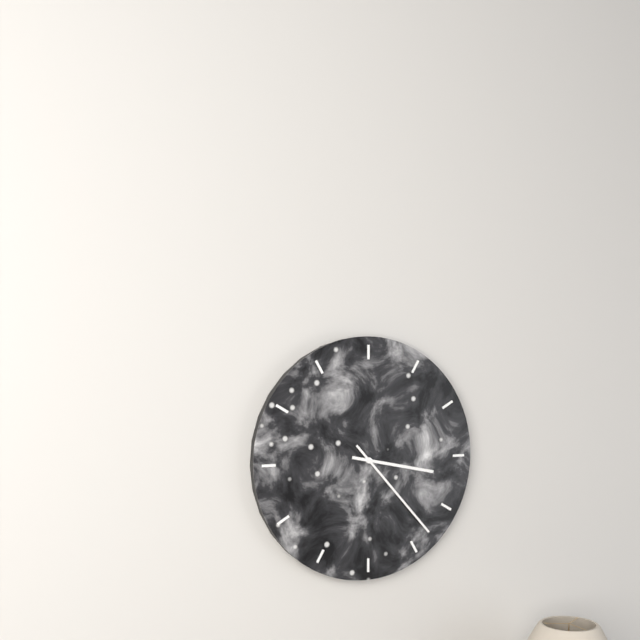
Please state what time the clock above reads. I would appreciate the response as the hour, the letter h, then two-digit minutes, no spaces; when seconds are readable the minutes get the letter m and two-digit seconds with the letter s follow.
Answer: 3h23
